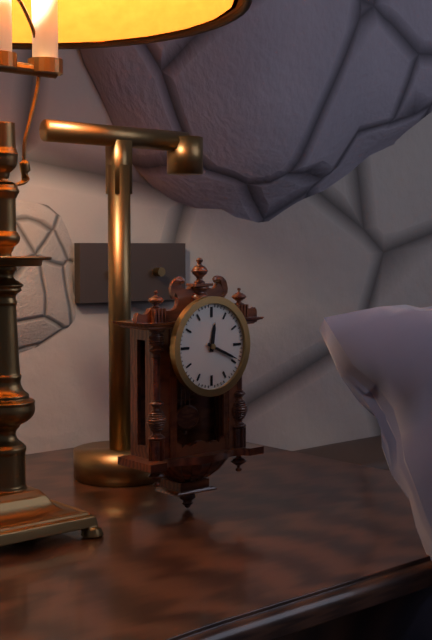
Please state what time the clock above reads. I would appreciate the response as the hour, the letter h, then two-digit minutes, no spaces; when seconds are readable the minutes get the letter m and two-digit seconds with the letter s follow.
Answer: 12h19
